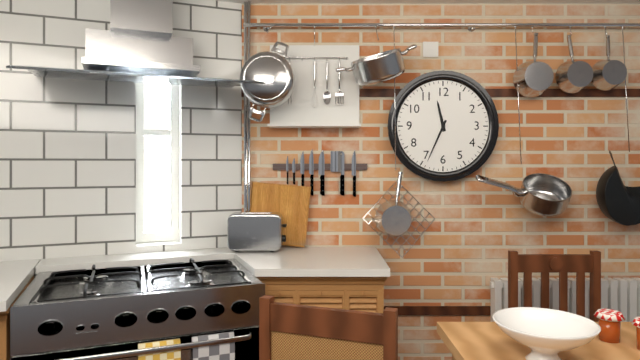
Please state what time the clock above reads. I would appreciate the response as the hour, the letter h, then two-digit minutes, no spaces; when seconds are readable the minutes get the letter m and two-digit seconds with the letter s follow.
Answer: 11h34
